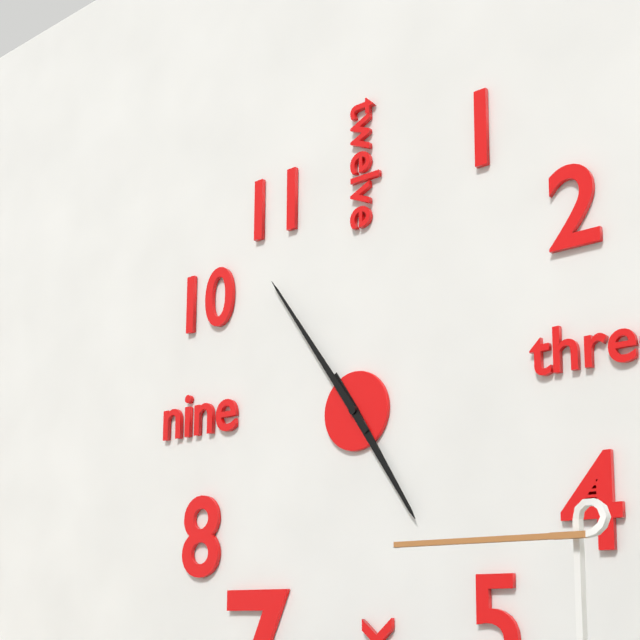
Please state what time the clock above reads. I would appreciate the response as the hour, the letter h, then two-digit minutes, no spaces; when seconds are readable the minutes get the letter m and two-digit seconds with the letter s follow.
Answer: 4h54
